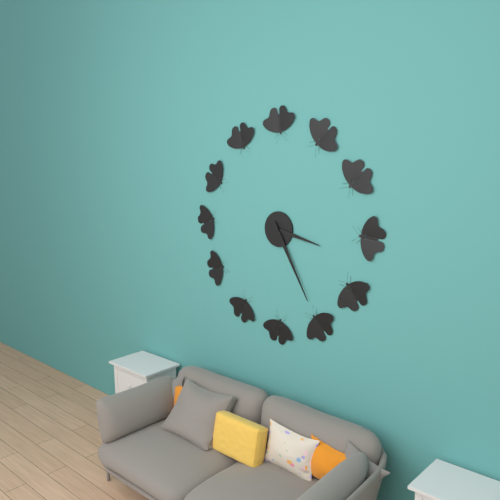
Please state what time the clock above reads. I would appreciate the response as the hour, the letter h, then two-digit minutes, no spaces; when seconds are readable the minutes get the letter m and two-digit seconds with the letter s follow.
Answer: 3h25
